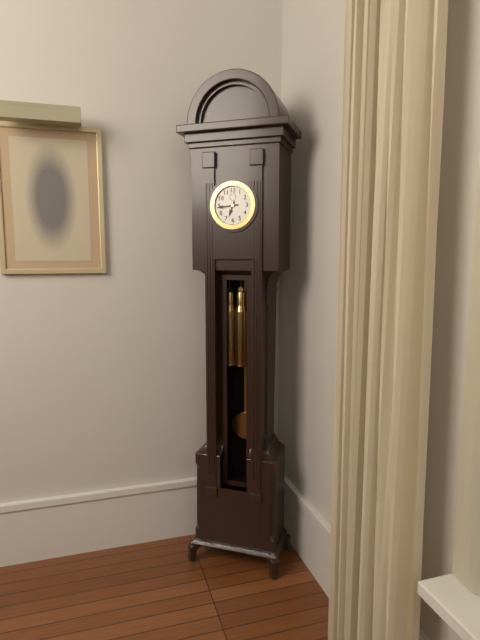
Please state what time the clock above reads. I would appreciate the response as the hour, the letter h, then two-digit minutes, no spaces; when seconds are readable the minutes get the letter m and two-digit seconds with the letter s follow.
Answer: 6h44
